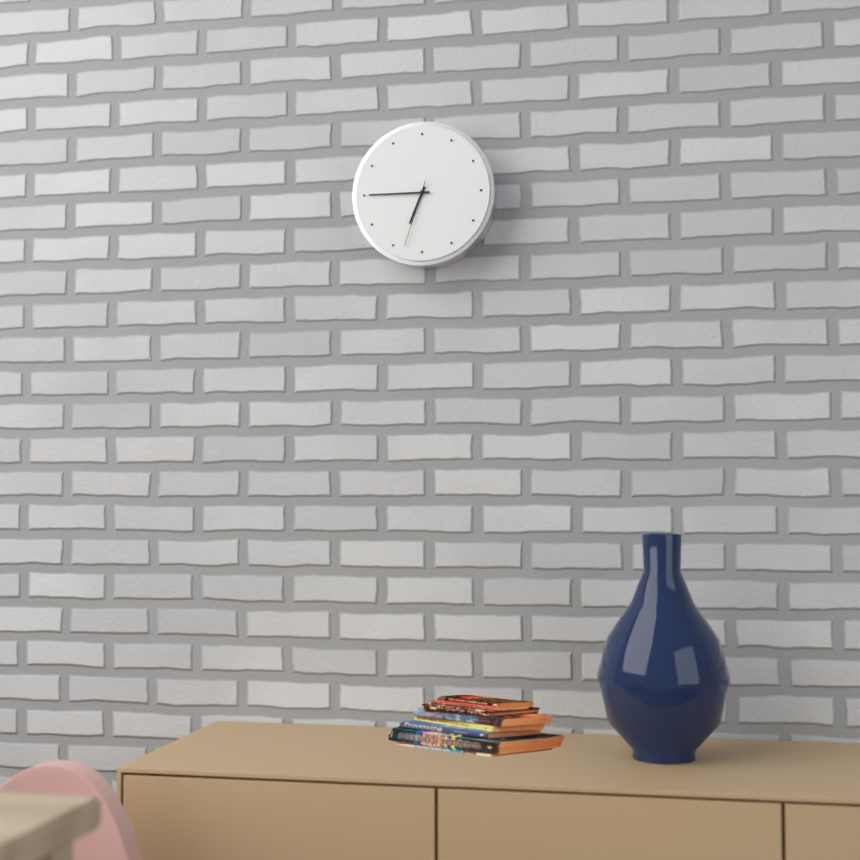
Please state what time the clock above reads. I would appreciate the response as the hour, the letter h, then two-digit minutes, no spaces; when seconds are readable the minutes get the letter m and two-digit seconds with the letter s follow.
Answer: 6h45m33s
